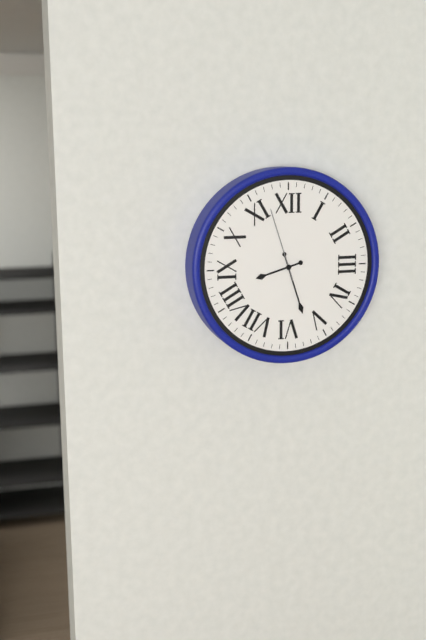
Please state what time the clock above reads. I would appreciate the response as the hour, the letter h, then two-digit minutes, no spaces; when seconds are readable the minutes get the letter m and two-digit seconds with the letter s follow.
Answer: 8h27m57s
